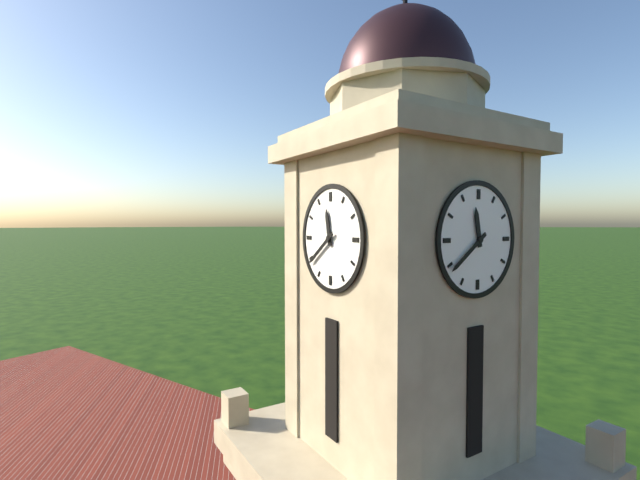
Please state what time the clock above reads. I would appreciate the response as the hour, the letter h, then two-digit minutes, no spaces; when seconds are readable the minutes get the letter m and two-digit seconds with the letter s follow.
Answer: 11h39
